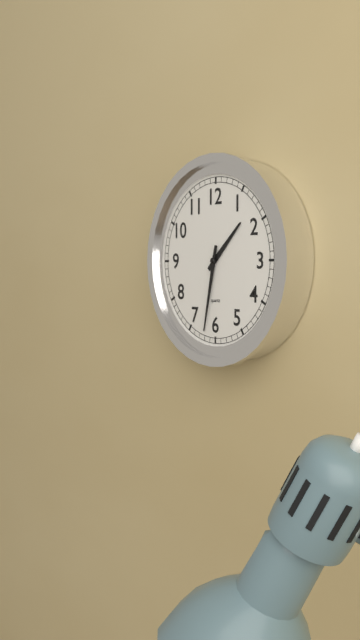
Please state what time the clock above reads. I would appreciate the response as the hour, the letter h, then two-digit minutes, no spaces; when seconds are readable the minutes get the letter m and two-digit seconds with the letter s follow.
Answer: 1h32
